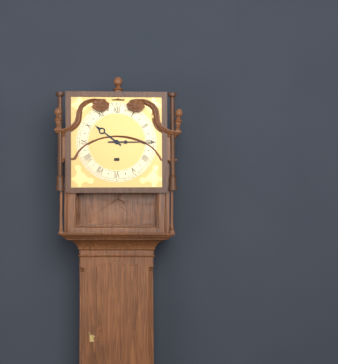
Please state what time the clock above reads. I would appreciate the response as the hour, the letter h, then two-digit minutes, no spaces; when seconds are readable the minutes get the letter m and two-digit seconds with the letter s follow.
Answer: 10h15
